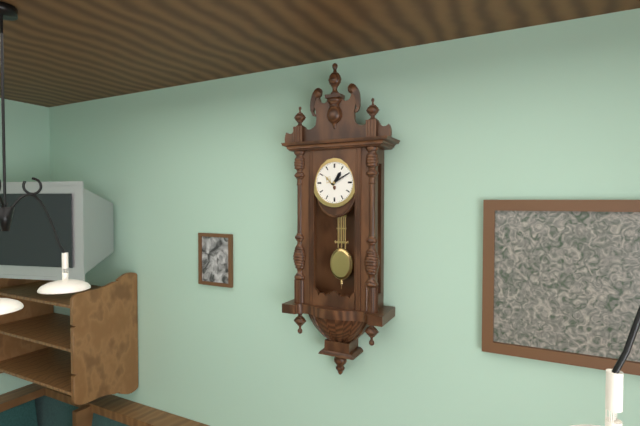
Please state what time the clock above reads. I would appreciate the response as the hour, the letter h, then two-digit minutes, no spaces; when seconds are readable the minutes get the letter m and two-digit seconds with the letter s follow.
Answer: 1h10
